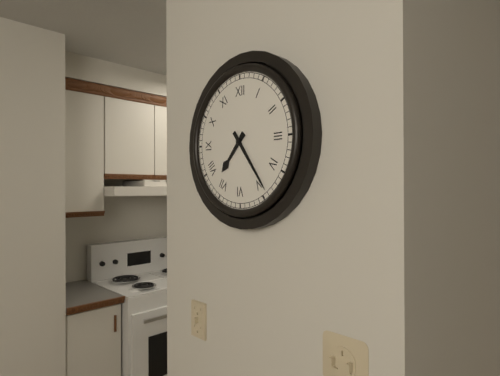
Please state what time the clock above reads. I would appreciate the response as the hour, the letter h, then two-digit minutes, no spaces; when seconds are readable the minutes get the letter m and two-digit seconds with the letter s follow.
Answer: 7h24
